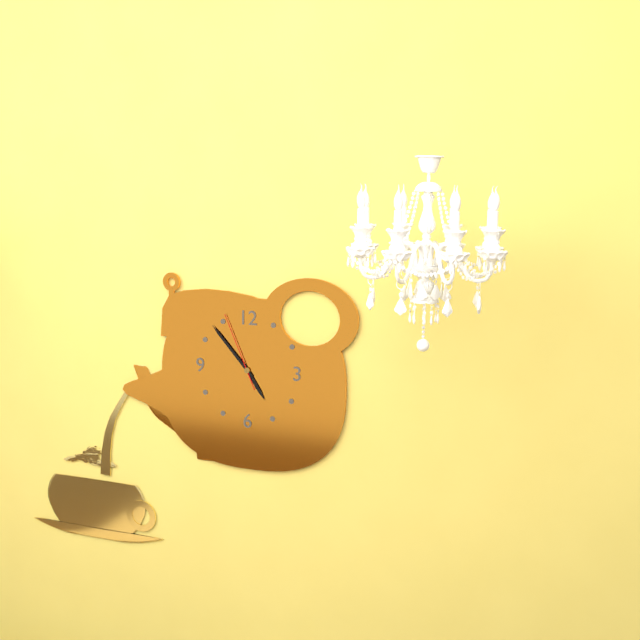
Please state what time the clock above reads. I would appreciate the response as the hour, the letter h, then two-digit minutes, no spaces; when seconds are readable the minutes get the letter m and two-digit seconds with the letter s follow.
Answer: 4h53m56s
